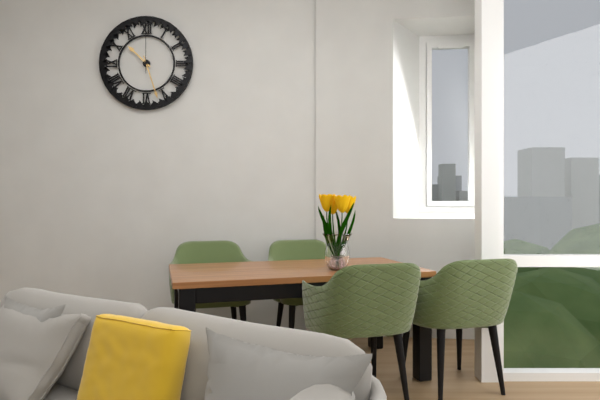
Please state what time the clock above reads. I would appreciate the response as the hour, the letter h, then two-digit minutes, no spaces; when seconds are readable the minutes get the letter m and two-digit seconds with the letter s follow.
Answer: 10h27m00s
